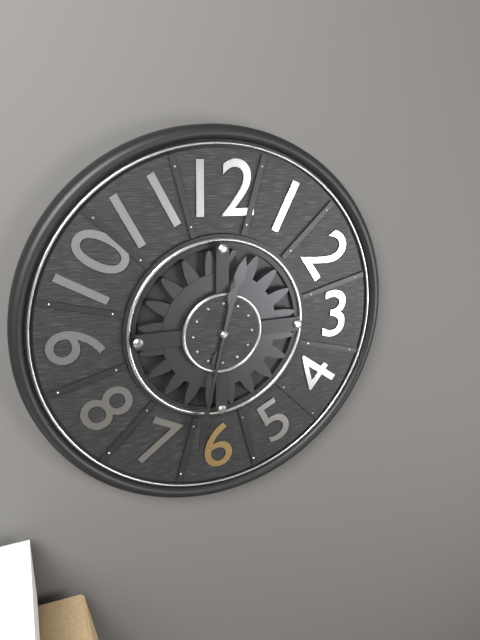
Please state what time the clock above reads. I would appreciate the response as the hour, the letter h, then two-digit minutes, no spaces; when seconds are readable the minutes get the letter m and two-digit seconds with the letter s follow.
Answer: 12h32
